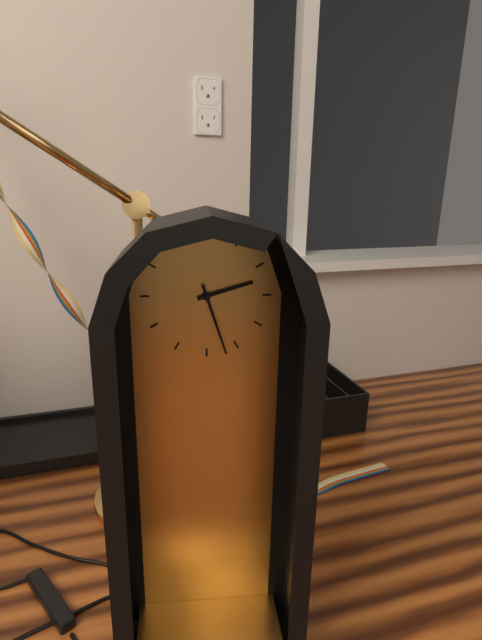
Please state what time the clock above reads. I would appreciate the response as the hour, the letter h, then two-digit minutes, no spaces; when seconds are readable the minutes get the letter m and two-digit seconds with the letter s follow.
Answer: 2h27
